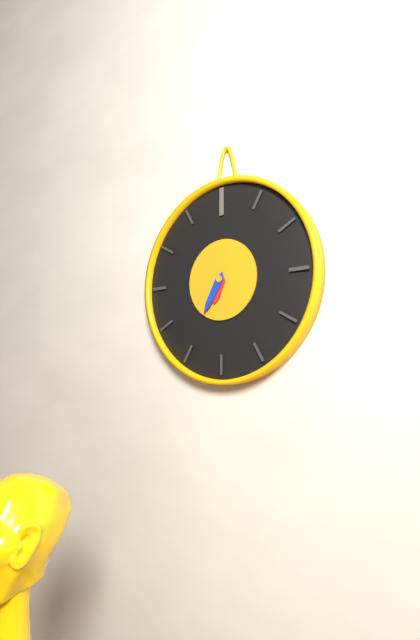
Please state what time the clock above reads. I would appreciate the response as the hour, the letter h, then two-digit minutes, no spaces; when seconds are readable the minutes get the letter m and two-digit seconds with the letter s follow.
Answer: 6h35
